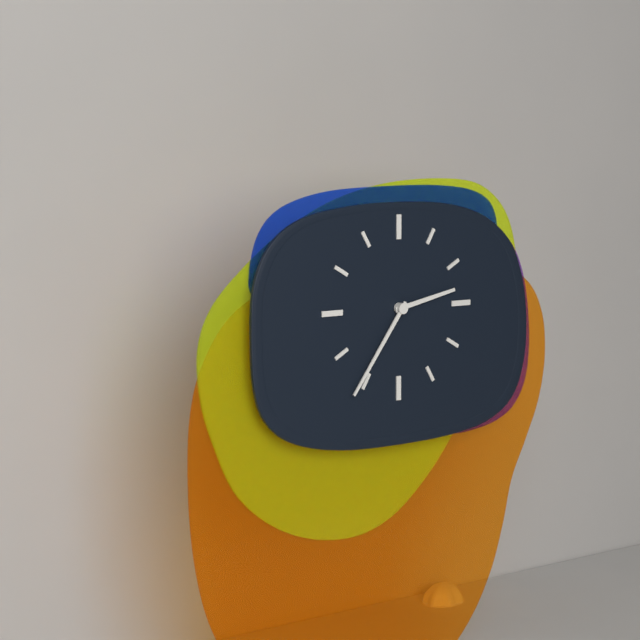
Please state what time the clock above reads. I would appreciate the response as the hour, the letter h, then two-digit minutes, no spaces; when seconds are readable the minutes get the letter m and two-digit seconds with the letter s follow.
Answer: 2h36
